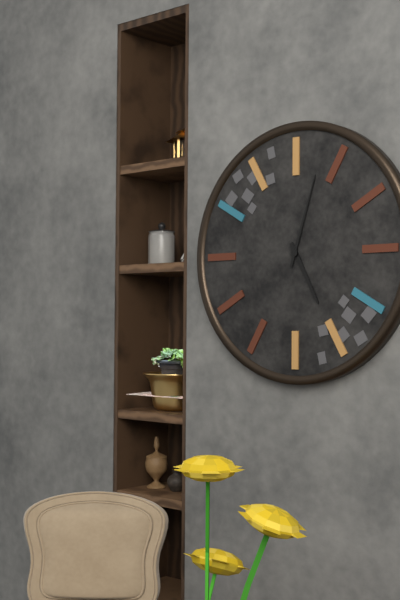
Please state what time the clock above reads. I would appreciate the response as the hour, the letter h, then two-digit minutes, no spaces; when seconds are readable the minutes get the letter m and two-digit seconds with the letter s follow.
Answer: 5h03
